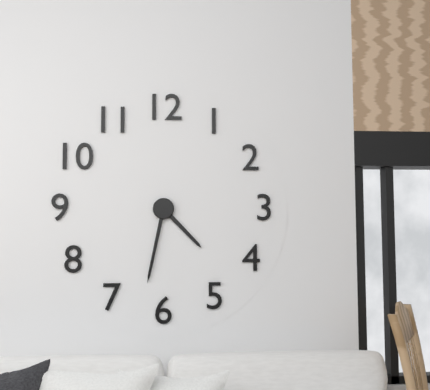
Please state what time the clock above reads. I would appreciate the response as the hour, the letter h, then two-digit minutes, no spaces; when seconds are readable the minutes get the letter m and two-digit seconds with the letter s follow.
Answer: 4h32
